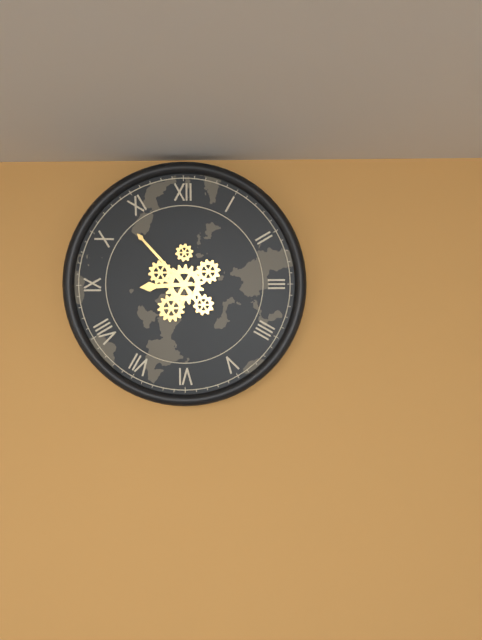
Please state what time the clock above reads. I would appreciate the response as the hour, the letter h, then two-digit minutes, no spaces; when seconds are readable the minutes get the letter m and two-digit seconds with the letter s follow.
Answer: 8h53
